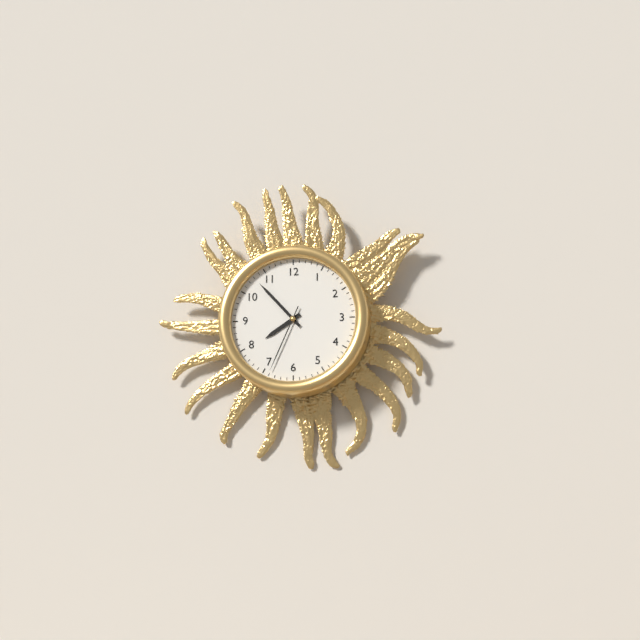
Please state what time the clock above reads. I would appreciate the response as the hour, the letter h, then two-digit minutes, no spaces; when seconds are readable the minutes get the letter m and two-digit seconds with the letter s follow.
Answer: 7h53m34s
